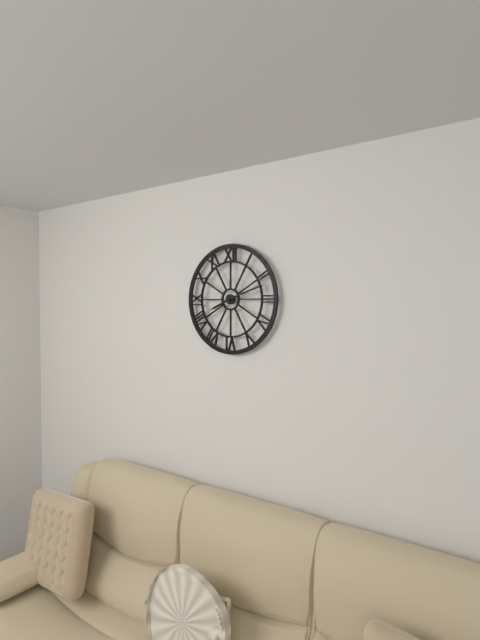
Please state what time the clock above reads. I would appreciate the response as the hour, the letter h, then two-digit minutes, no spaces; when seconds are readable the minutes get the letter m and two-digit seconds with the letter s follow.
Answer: 8h12
